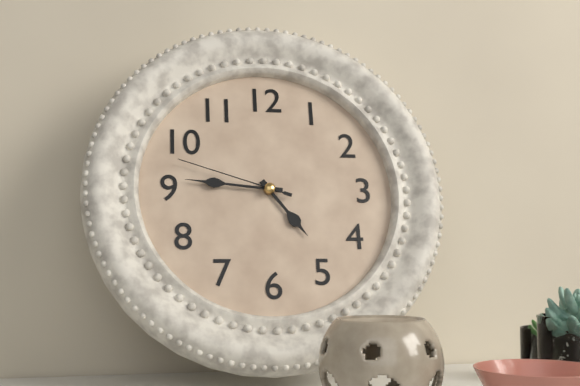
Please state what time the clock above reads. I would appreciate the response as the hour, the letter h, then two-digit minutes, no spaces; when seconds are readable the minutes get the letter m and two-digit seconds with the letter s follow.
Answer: 4h46m48s
